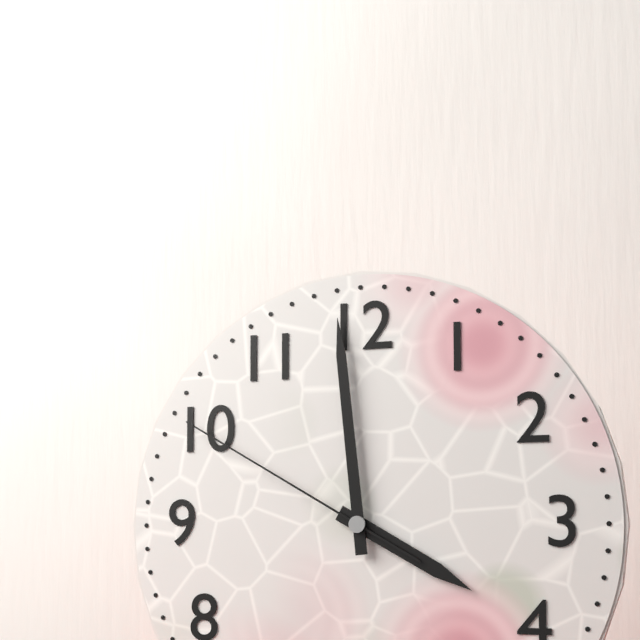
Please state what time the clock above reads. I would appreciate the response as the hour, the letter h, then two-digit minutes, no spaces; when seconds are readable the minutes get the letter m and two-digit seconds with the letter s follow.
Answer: 3h59m50s
